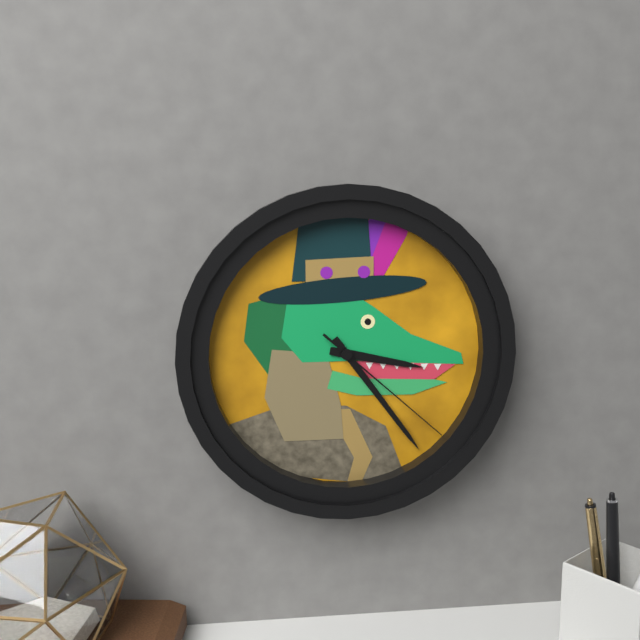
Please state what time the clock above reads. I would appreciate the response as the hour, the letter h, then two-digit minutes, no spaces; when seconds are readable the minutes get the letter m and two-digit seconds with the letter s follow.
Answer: 3h24m22s
